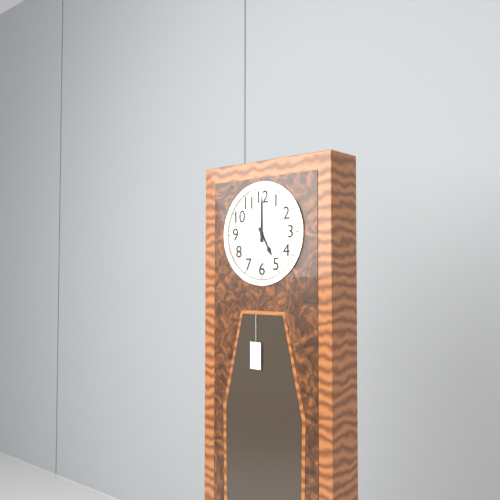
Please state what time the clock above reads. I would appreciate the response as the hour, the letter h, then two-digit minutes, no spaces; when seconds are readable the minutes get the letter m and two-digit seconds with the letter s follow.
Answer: 5h00
